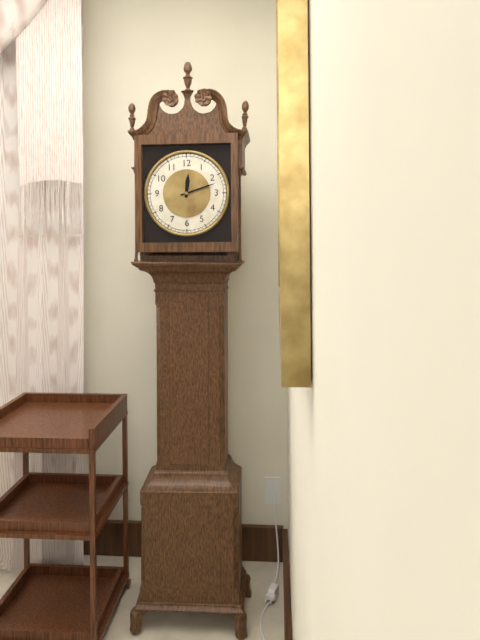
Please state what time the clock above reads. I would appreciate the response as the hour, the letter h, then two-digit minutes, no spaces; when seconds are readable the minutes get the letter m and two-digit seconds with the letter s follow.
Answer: 12h12
